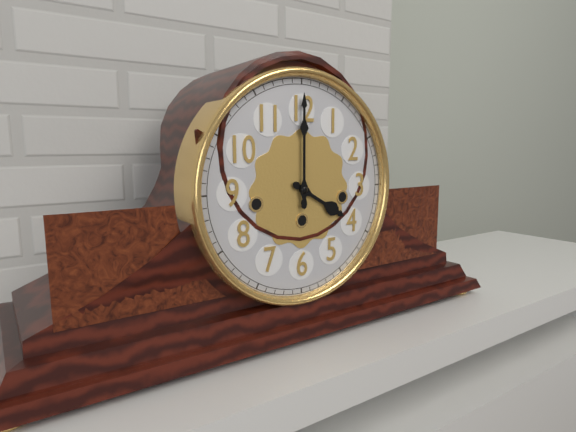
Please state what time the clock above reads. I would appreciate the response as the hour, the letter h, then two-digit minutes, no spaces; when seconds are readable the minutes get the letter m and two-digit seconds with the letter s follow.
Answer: 4h00
